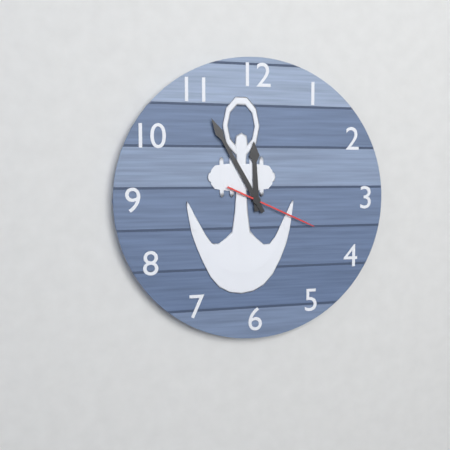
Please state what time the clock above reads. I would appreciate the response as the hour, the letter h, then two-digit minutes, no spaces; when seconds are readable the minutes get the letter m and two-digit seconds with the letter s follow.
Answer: 11h55m19s
